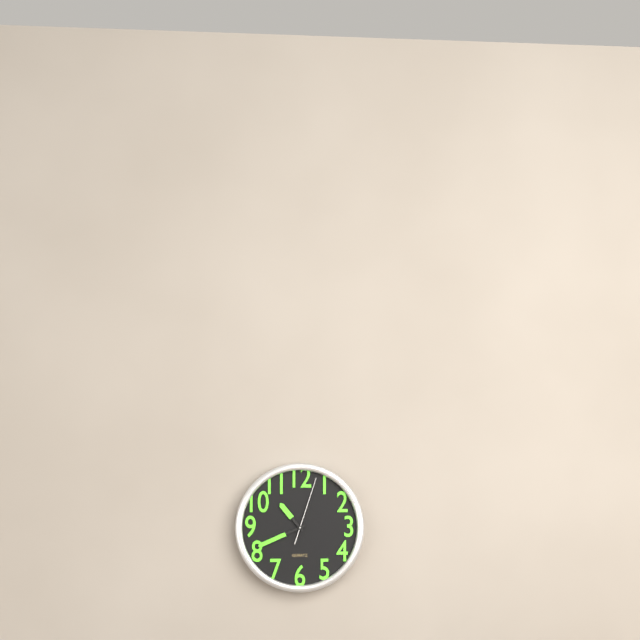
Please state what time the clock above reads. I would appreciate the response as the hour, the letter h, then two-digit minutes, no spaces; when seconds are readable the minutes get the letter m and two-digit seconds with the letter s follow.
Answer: 10h41m03s
